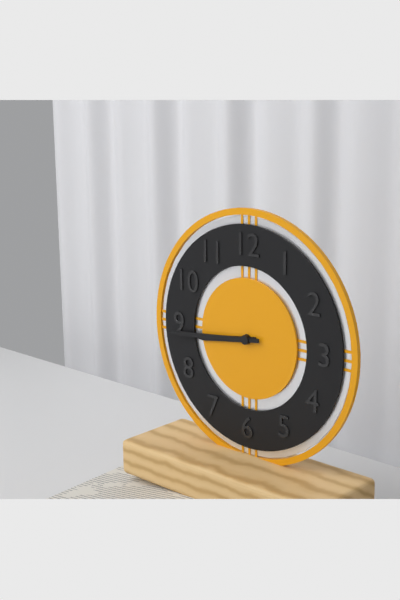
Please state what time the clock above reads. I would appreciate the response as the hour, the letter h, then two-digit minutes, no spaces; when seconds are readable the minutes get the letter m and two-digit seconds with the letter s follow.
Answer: 8h44
